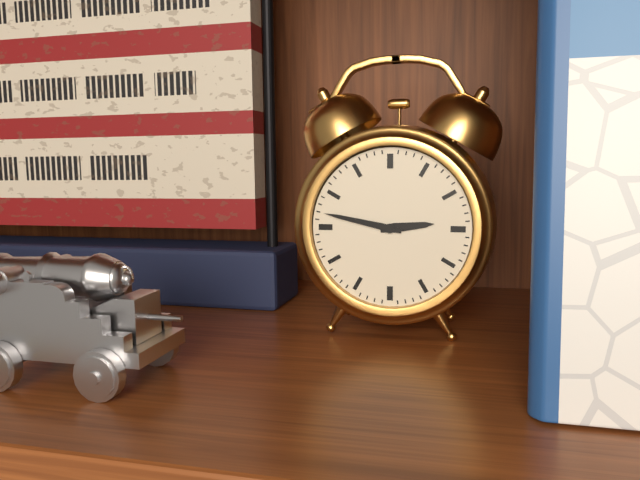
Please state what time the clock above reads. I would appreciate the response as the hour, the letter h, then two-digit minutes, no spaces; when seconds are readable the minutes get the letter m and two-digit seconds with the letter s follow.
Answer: 2h47
